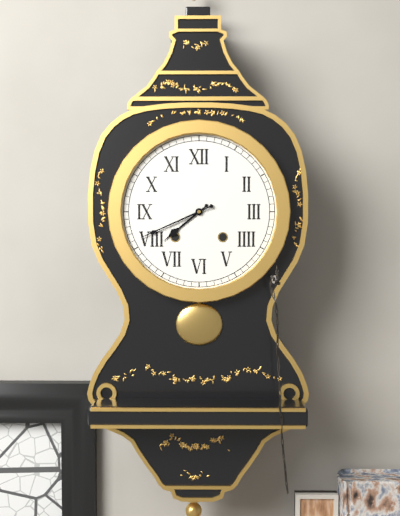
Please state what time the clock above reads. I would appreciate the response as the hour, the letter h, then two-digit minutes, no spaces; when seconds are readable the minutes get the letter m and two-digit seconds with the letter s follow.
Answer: 7h41
